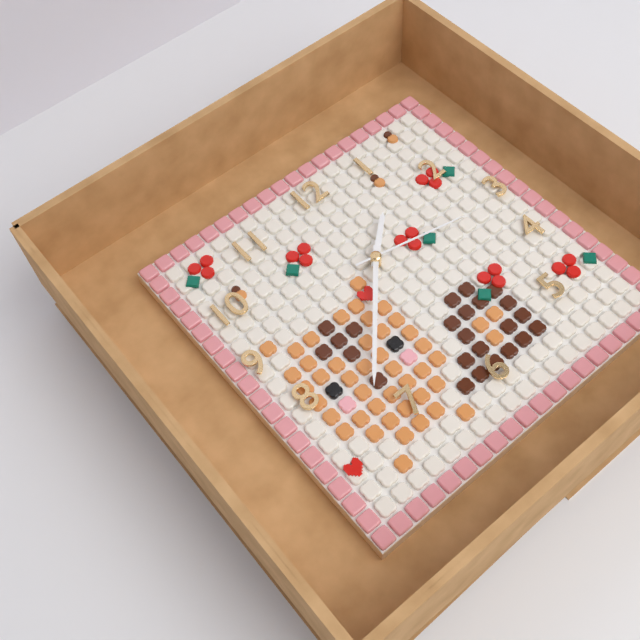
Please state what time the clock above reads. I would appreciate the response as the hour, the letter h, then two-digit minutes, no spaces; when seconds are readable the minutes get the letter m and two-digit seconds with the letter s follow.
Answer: 1h37m17s
